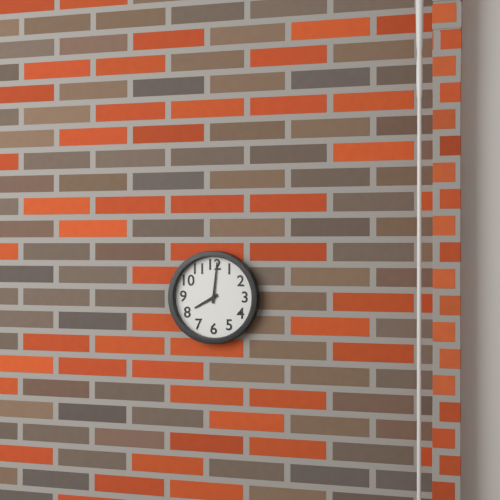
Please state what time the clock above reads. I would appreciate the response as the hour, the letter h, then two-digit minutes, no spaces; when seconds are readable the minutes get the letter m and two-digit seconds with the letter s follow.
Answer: 8h01
